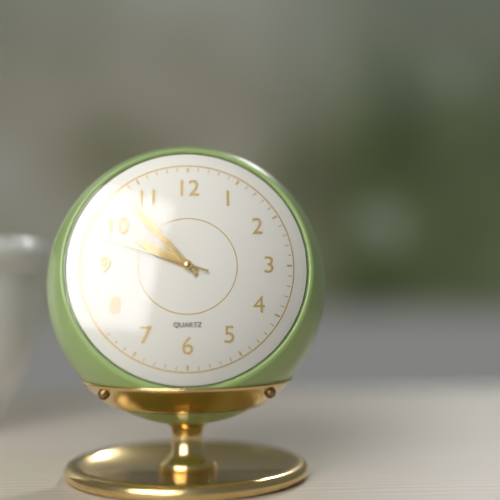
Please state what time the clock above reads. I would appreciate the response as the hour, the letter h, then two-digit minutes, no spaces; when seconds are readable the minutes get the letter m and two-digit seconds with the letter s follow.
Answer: 9h53m48s
